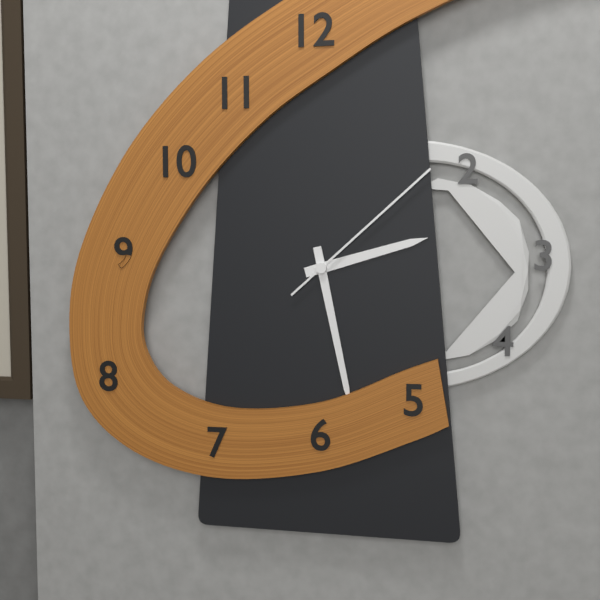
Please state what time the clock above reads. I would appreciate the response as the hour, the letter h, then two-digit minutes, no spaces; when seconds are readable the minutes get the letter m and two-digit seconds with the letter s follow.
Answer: 2h28m08s
